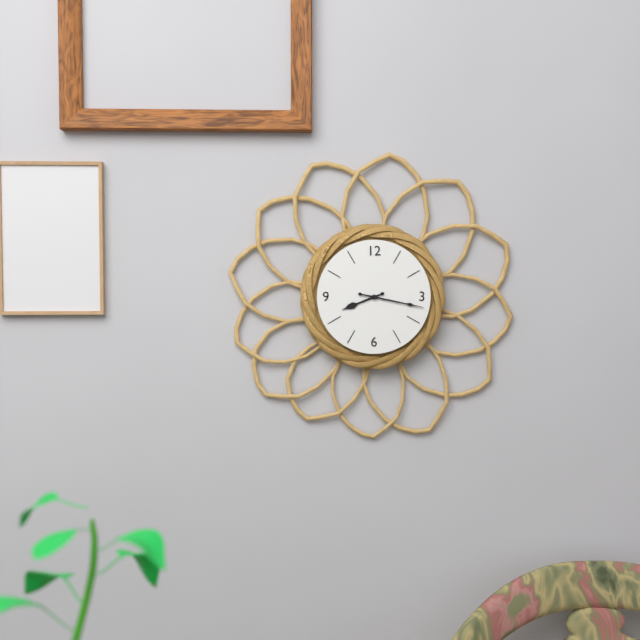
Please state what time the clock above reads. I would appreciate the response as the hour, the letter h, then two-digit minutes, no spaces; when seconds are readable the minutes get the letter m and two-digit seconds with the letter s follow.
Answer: 8h17
